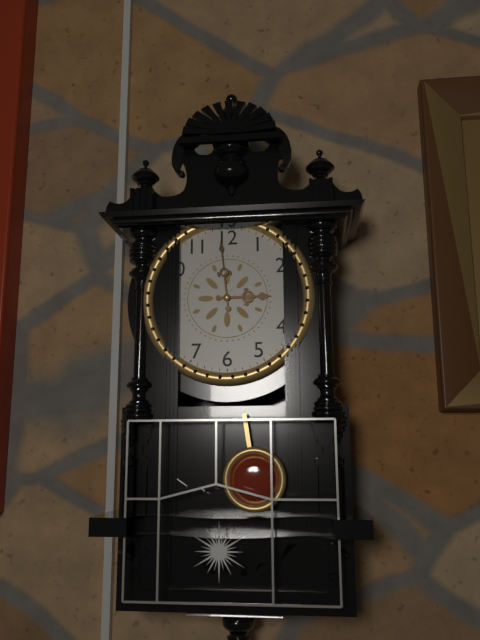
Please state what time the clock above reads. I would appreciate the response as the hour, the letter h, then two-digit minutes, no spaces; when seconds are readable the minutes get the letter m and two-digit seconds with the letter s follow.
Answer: 2h59
